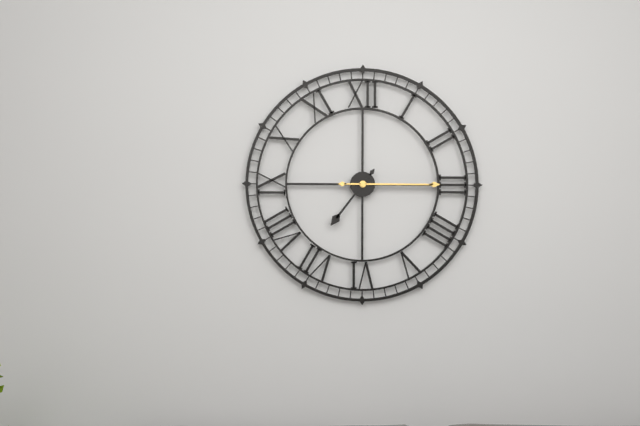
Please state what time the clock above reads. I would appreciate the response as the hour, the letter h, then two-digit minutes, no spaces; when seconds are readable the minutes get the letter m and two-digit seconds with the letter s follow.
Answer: 7h15
